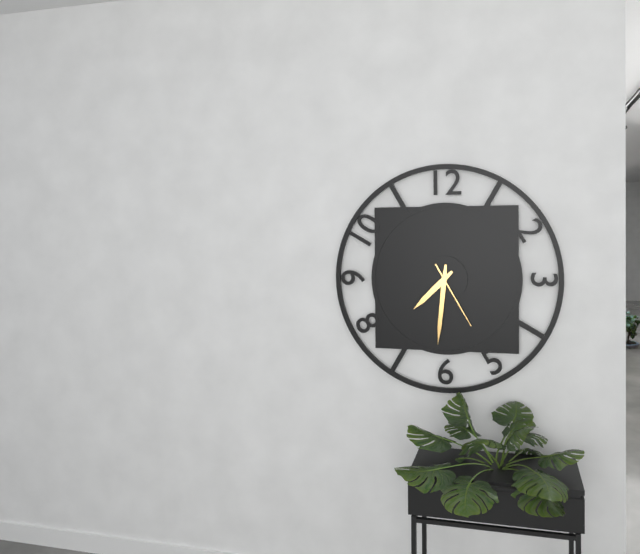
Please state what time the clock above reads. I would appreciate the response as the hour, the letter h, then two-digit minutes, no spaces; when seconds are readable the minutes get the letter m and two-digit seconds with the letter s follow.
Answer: 7h31m25s
